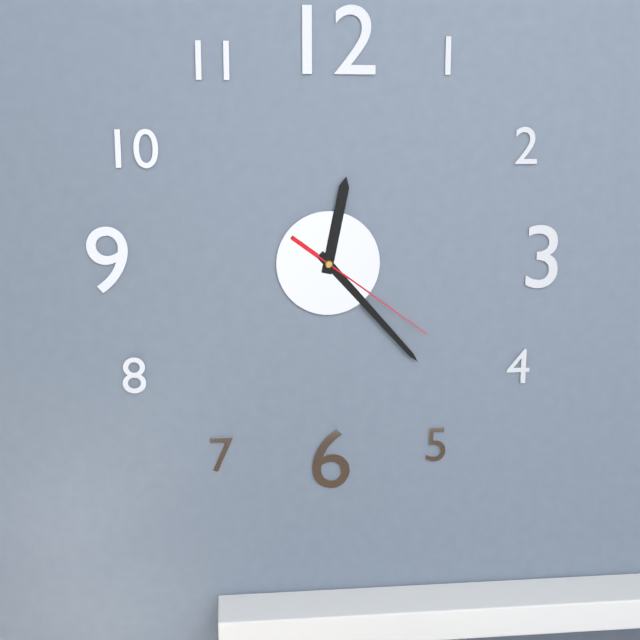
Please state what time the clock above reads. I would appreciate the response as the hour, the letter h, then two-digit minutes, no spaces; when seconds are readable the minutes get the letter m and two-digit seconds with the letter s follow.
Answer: 12h23m21s
